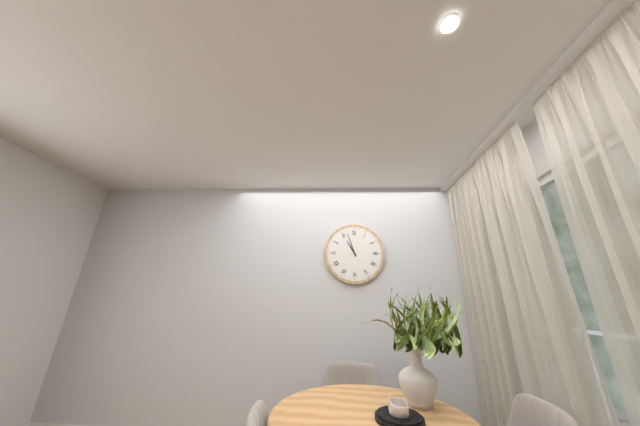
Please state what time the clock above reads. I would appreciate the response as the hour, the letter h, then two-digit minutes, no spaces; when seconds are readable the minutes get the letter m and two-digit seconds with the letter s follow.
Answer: 10h57
